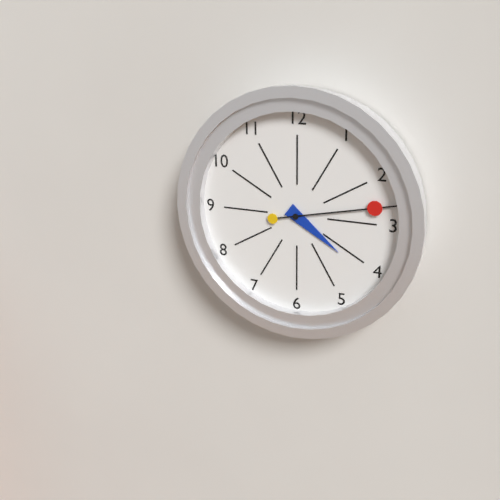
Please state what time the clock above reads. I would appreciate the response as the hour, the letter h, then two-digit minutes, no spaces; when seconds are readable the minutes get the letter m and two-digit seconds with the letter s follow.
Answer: 4h13
